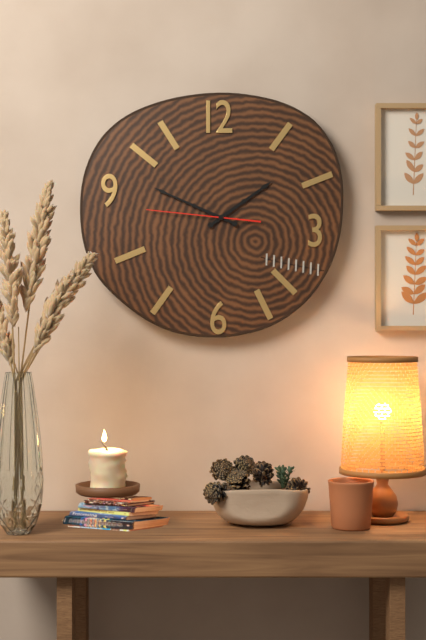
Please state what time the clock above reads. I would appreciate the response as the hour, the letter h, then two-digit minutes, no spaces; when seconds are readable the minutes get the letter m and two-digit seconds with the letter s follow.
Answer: 1h49m46s
